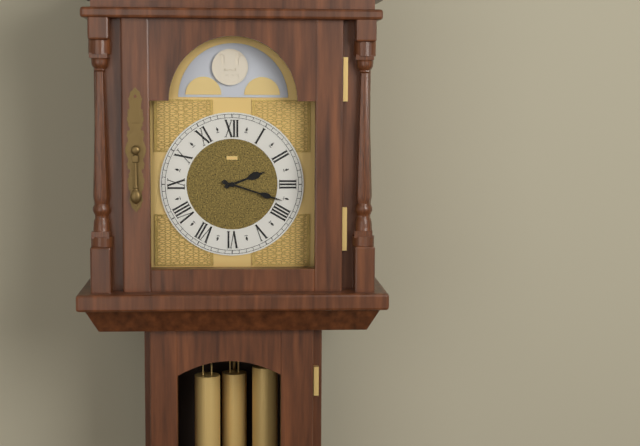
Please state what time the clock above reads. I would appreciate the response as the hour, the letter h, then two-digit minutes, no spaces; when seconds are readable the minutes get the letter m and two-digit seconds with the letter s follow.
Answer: 2h18
